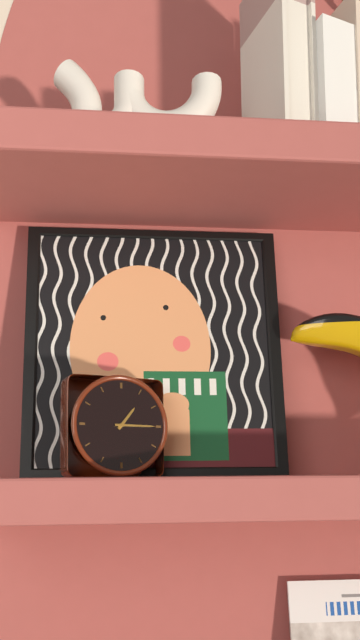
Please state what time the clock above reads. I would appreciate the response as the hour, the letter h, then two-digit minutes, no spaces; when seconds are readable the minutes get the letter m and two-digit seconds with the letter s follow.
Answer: 1h15
